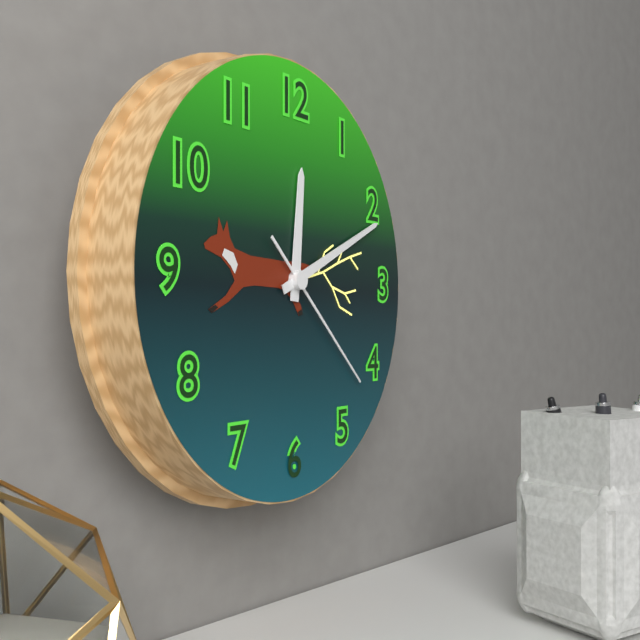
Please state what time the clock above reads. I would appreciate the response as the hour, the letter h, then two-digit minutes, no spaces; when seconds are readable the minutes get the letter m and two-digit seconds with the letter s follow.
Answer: 12h11m22s
